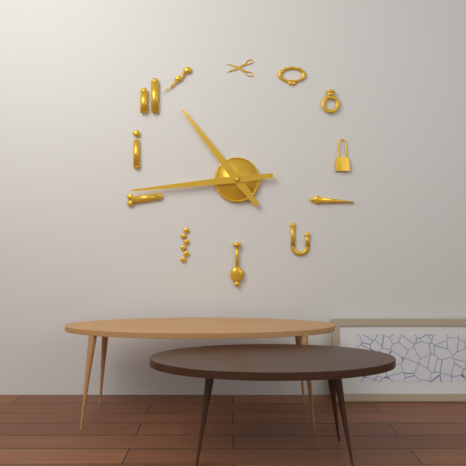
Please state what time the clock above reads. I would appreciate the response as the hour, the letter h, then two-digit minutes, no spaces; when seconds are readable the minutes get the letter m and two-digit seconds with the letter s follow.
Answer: 10h44
